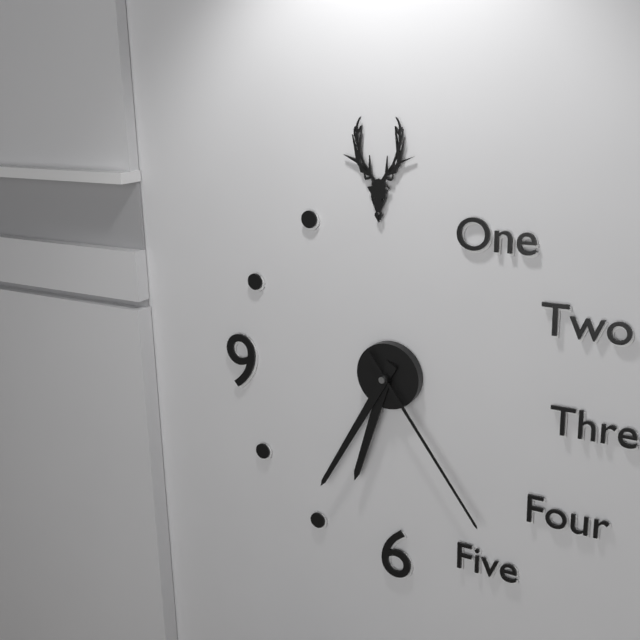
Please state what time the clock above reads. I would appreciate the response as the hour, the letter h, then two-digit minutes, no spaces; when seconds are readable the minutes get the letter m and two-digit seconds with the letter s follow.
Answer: 6h35m24s
